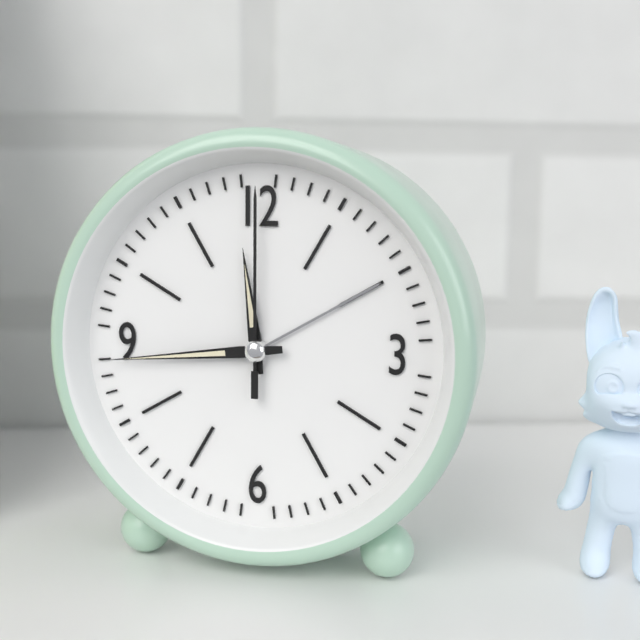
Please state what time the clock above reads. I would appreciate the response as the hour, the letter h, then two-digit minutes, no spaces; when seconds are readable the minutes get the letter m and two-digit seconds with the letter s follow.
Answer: 11h44m00s
